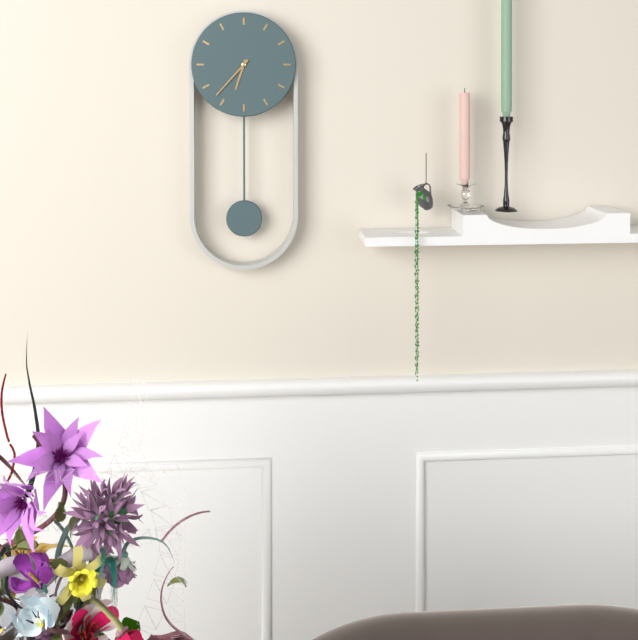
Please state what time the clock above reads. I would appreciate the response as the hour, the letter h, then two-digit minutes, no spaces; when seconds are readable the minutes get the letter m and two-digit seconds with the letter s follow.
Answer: 6h37
